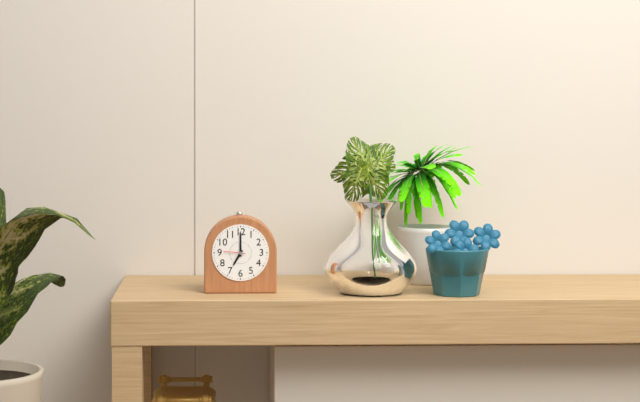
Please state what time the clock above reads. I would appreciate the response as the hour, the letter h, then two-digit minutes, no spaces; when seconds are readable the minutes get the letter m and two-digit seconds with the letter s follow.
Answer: 7h00
